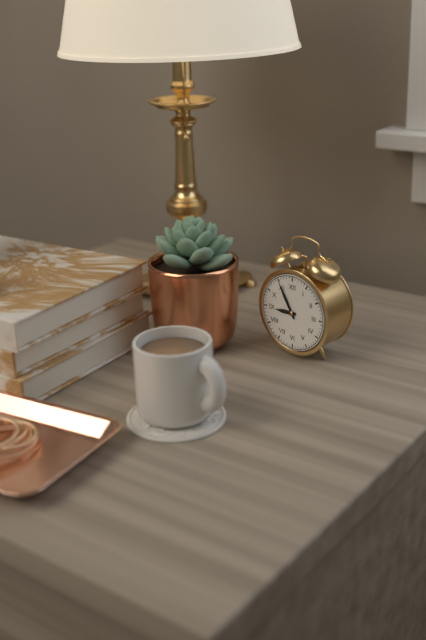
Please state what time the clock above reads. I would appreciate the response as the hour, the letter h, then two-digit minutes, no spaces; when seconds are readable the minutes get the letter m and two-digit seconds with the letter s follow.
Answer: 8h55
